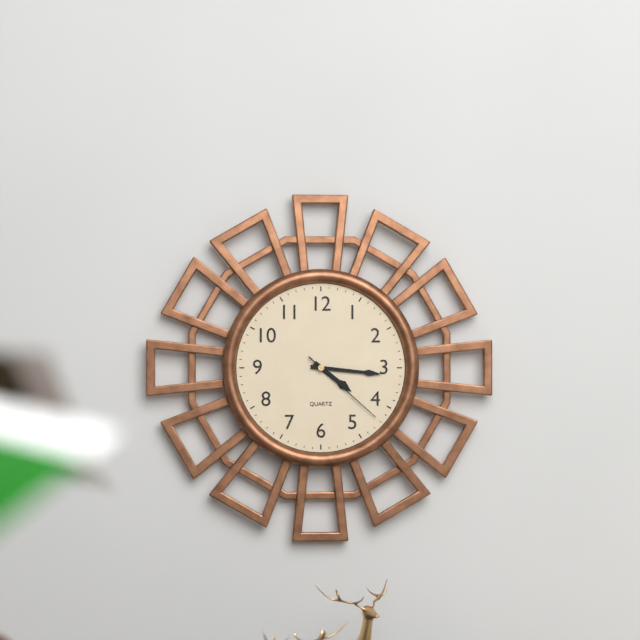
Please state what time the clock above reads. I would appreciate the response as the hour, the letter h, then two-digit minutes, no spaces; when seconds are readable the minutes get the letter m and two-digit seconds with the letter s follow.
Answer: 4h16m22s
